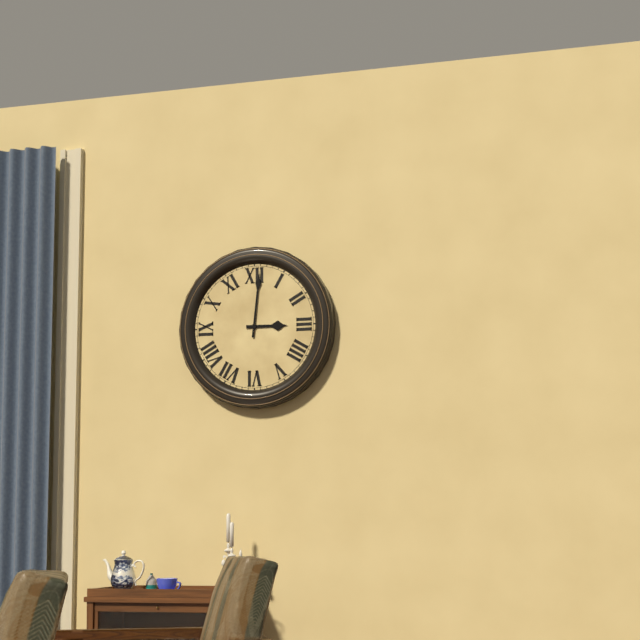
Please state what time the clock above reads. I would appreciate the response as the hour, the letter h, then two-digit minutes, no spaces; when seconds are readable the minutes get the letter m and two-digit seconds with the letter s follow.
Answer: 3h01
